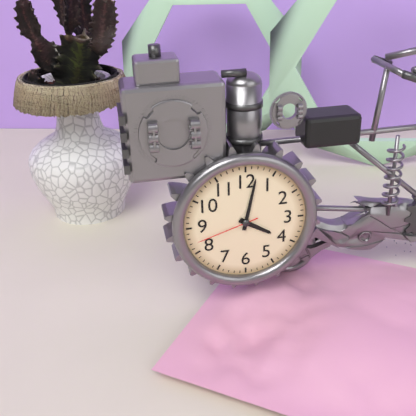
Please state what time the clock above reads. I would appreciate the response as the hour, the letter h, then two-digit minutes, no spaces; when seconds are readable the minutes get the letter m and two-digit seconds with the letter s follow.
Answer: 4h02m42s
